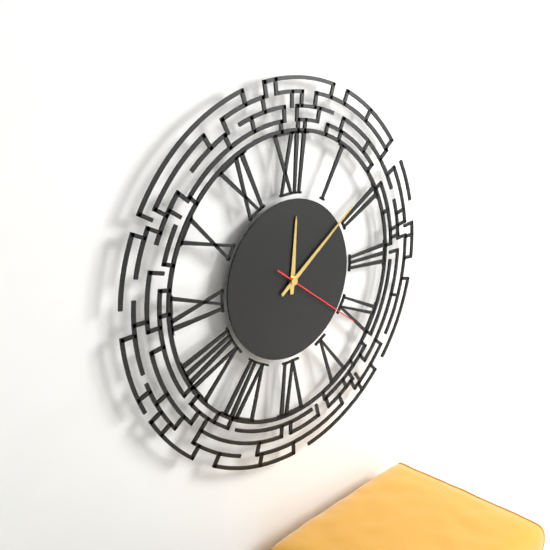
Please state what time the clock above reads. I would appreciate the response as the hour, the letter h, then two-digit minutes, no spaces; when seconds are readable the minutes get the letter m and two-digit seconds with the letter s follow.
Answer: 12h09m21s
